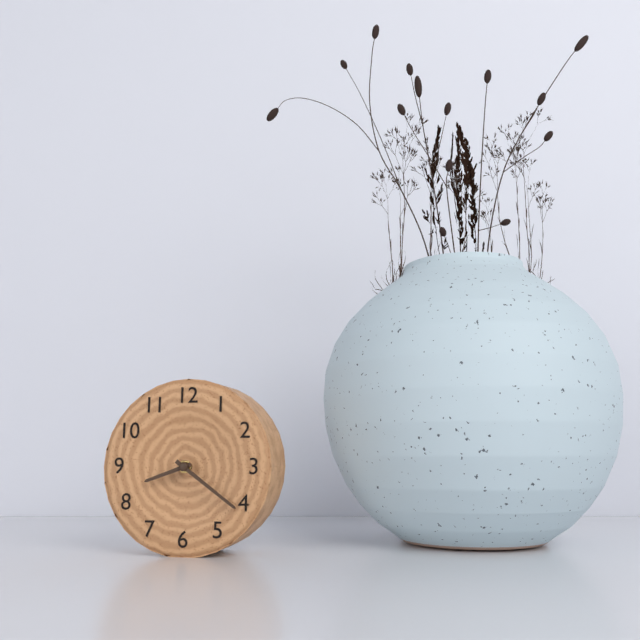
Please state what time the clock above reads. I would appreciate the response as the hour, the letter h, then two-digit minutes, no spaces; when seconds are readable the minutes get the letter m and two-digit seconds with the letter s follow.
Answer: 8h21
